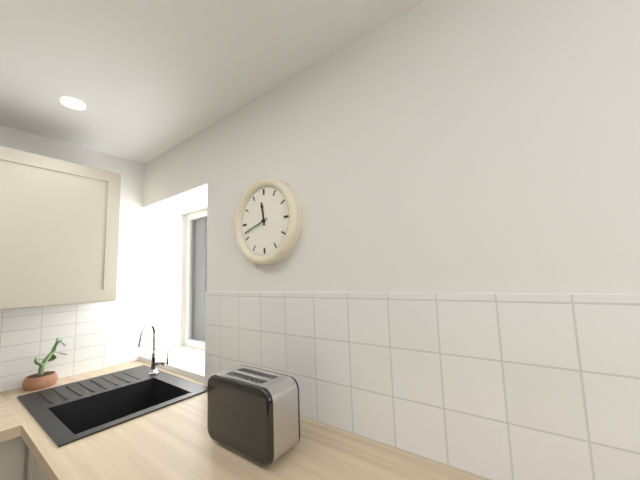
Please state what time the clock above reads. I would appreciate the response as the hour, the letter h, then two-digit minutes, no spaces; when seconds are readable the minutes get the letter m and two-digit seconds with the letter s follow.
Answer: 11h42
